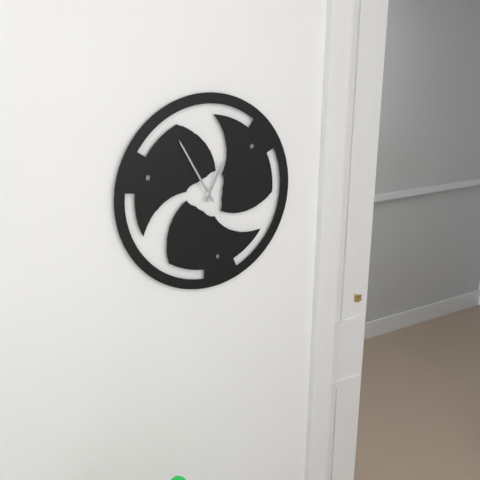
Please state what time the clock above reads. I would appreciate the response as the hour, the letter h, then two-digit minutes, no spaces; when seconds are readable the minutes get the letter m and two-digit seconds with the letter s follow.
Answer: 12h55
